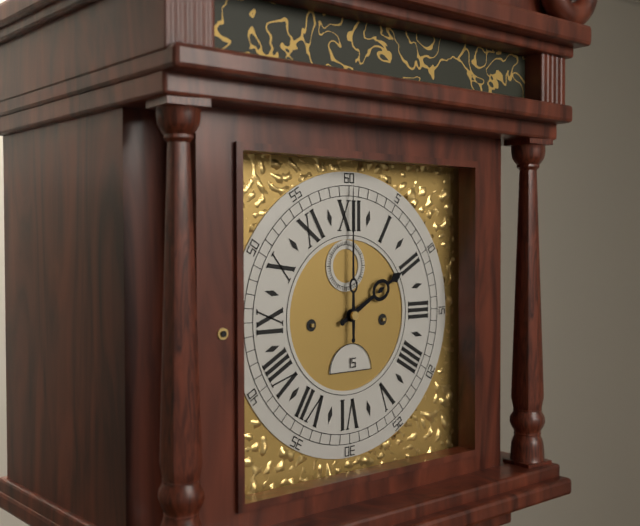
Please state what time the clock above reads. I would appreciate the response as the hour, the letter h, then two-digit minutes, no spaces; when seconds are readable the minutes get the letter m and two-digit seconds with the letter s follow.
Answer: 2h00
